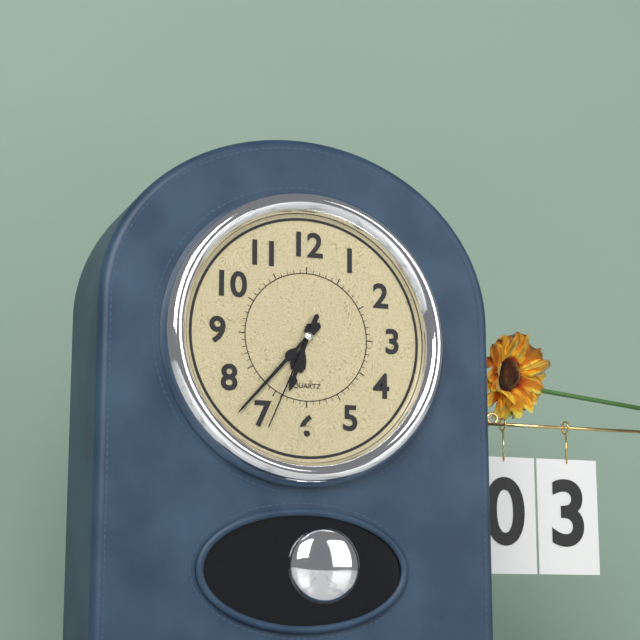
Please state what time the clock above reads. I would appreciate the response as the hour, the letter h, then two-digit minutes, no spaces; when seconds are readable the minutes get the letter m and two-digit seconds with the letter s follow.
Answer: 6h37m34s
